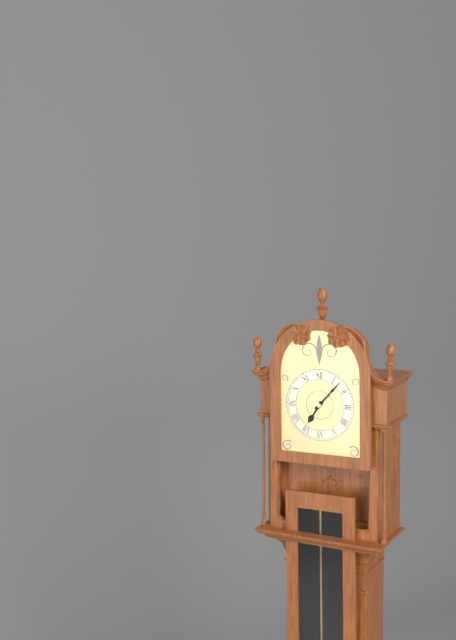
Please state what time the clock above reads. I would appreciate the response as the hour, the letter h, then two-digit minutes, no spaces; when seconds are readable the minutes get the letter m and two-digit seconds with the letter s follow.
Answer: 7h07
